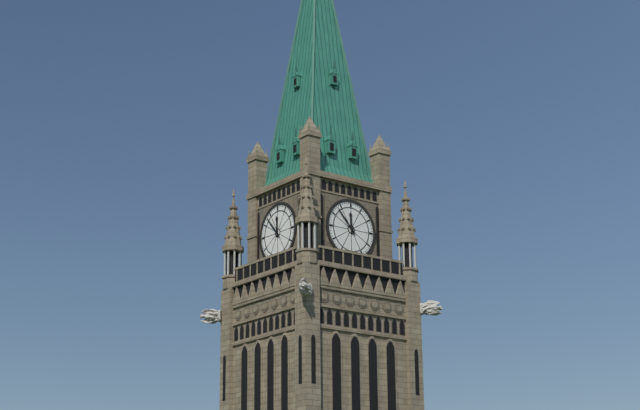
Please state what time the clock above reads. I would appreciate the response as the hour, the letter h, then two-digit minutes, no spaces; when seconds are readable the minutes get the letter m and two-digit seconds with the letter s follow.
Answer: 11h53
